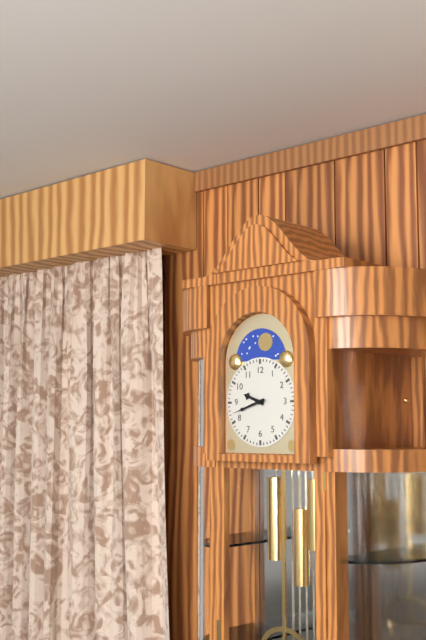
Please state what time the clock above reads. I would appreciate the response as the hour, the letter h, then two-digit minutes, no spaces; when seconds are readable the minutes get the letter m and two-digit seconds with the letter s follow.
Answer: 9h42
